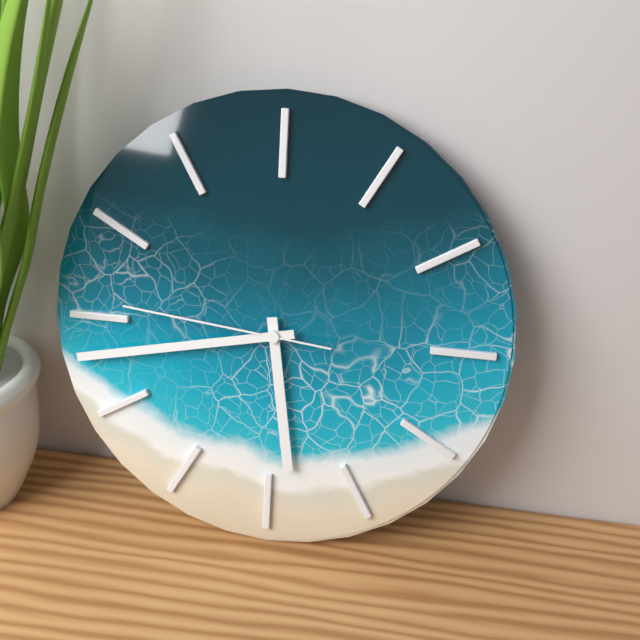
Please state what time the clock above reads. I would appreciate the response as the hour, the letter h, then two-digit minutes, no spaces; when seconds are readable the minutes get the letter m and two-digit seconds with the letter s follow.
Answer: 5h43m46s
